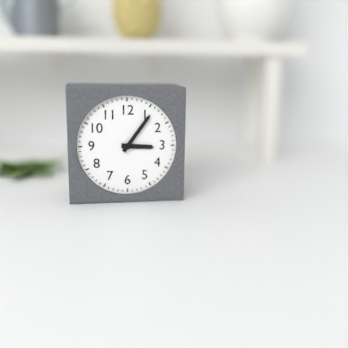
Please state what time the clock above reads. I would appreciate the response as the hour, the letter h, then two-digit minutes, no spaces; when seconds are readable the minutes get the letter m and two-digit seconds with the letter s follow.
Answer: 3h06
